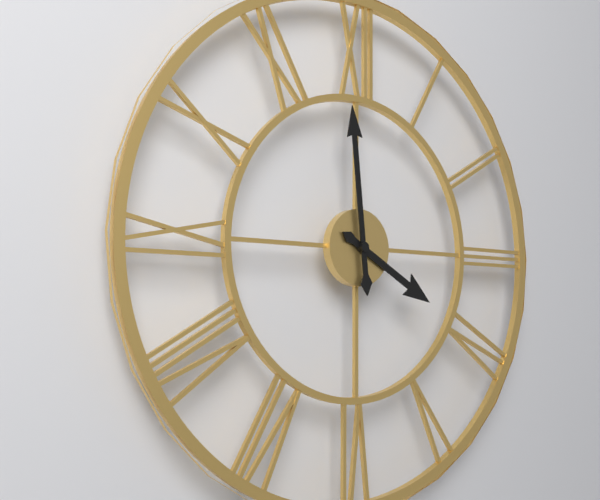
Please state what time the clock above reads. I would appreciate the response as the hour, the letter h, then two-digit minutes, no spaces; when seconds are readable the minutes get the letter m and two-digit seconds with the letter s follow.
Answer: 3h59
